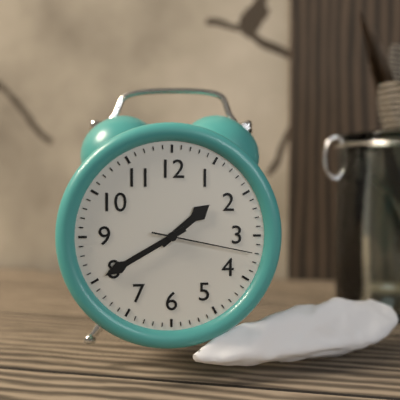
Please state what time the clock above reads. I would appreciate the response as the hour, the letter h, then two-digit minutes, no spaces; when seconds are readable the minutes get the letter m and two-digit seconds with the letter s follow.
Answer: 1h40m17s
